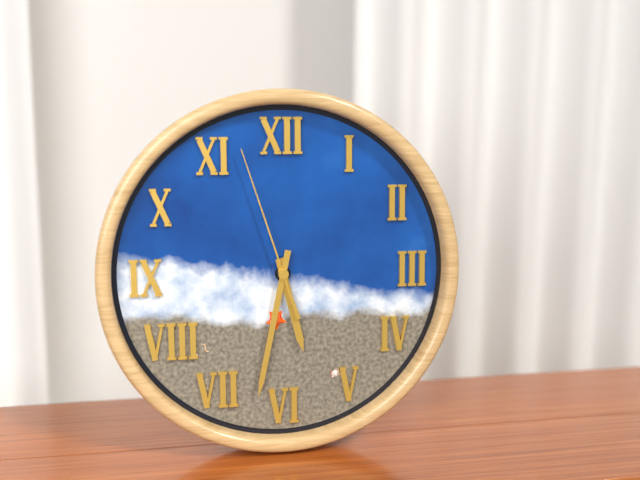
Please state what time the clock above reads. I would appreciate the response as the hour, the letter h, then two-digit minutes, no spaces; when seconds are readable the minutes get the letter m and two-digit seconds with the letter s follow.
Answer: 5h32m57s
